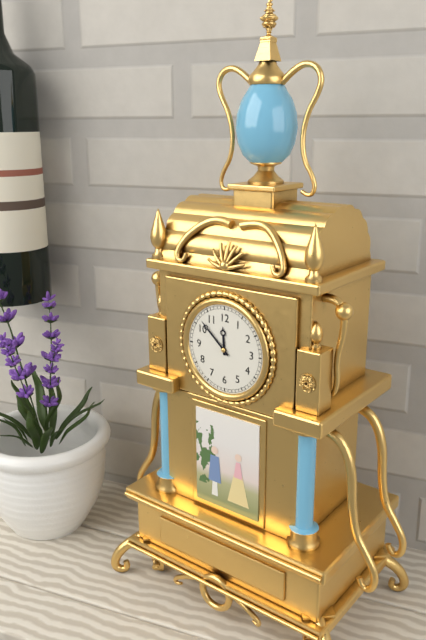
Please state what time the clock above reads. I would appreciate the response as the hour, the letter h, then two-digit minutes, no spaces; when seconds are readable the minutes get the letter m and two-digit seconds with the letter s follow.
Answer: 11h52
